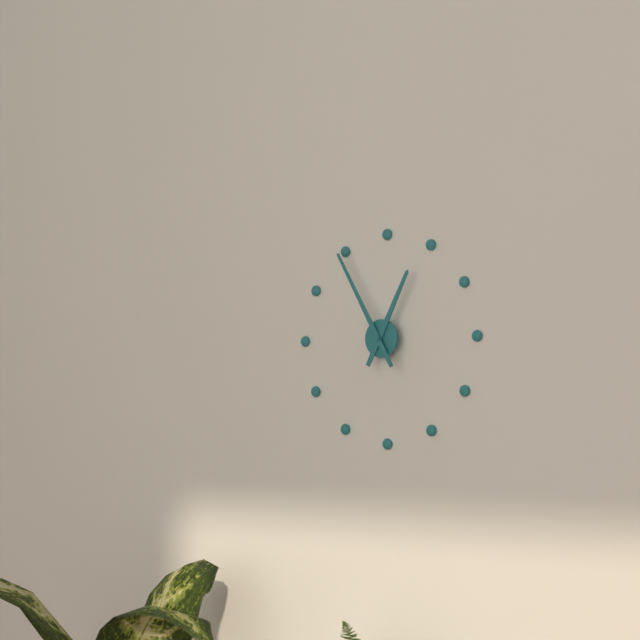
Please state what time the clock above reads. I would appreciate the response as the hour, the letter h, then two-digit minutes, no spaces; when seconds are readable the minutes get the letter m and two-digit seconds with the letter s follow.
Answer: 12h55
